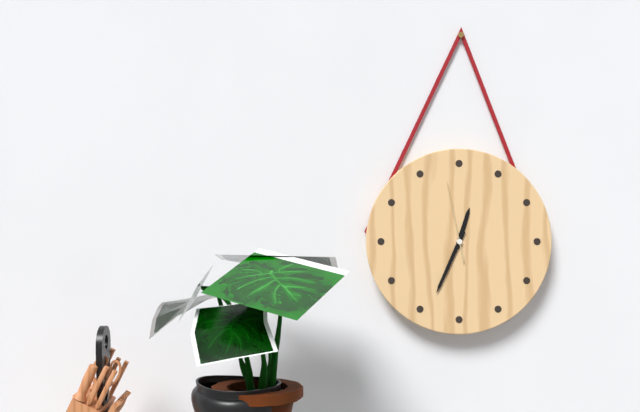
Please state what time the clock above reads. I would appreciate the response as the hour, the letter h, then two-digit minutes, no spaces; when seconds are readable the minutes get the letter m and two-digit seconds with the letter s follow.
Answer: 12h34m58s
